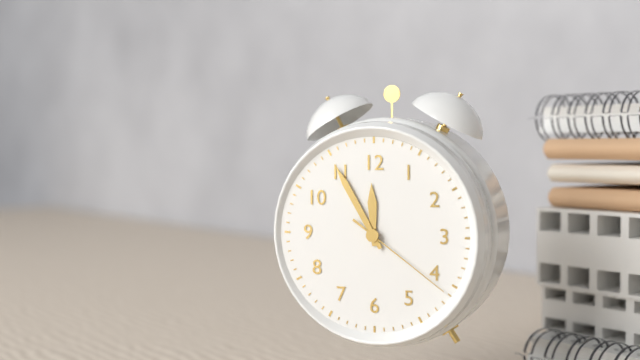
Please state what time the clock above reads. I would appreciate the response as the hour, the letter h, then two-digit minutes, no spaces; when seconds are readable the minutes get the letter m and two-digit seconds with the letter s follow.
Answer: 11h55m21s
